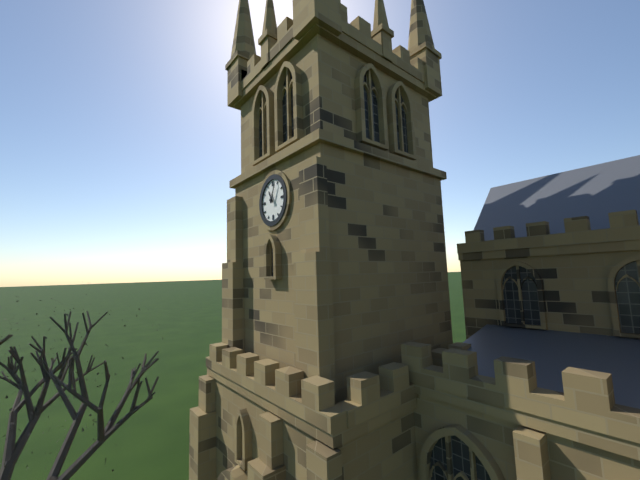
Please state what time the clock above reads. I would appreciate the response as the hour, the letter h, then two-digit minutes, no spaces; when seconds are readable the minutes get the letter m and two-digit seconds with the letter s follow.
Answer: 11h04
